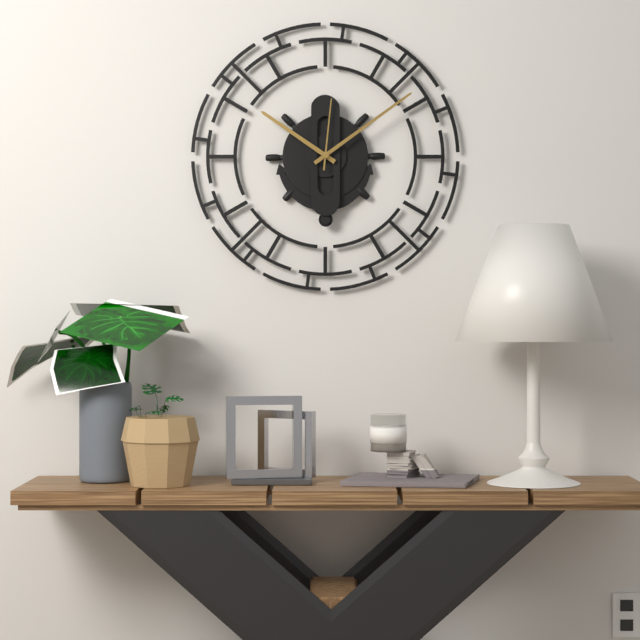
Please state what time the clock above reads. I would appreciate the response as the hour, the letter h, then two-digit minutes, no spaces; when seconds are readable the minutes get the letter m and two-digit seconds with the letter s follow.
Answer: 10h09m01s
